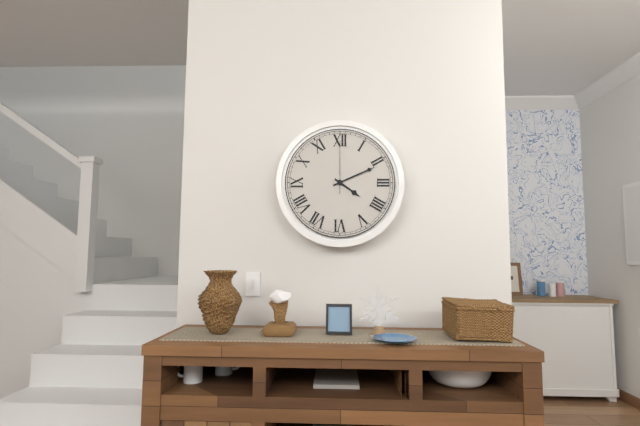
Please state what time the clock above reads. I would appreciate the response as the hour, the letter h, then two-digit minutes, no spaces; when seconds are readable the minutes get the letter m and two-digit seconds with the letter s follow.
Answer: 4h11m00s
